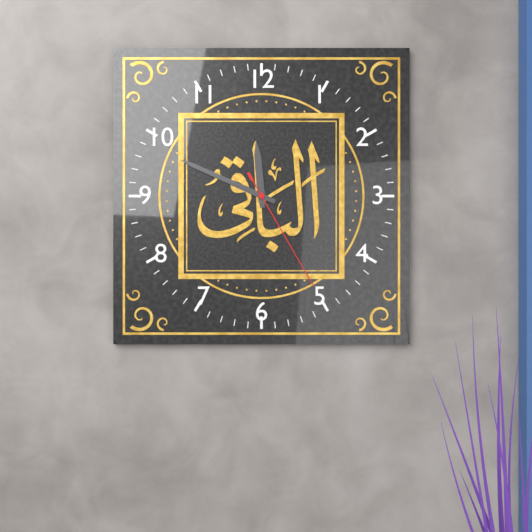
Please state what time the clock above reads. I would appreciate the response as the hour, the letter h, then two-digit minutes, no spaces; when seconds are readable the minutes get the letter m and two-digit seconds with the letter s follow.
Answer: 11h49m25s
